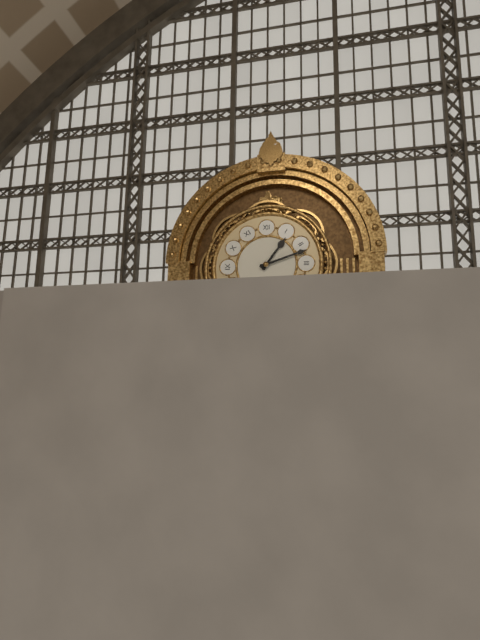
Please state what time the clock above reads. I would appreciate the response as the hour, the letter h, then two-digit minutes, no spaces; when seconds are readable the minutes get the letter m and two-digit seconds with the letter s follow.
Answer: 1h12
